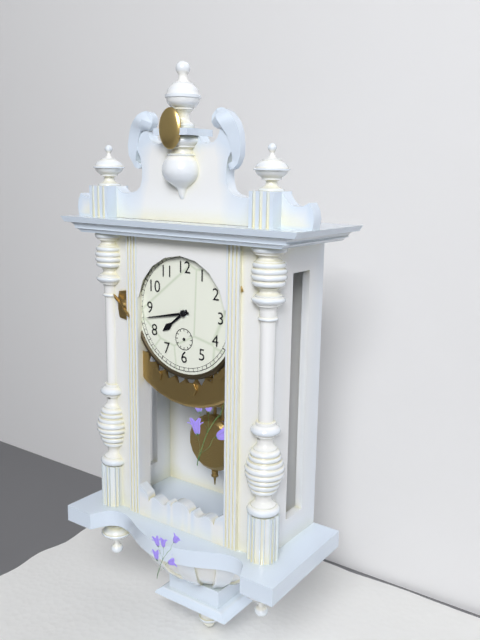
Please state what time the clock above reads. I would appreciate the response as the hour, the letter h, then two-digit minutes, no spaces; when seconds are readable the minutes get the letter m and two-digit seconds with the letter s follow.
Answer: 7h43
